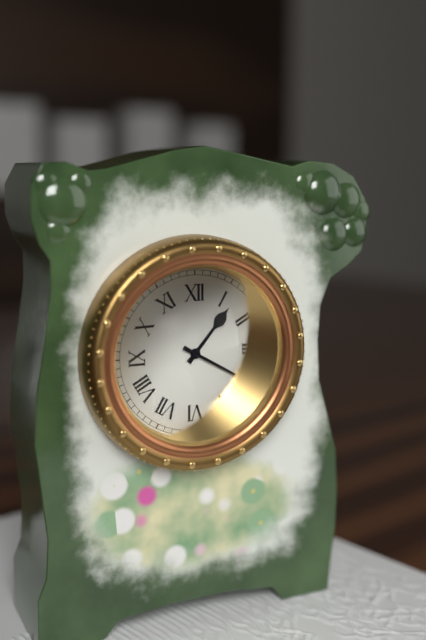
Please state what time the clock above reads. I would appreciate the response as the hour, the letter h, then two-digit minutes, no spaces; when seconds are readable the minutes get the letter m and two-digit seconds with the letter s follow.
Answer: 1h20
